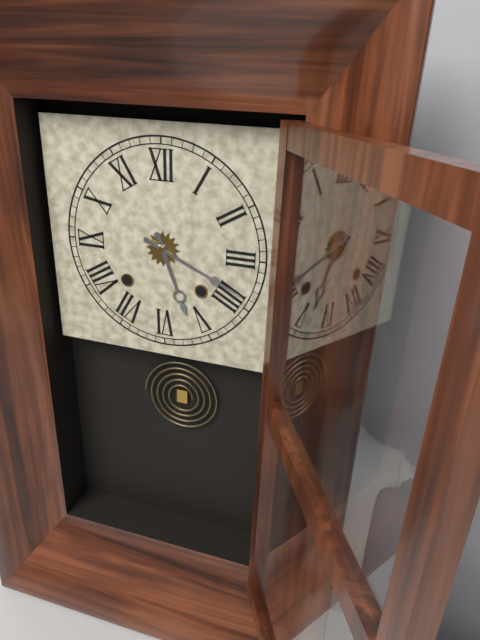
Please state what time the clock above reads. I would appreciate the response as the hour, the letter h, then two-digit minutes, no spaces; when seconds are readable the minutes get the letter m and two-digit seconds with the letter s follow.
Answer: 5h19
